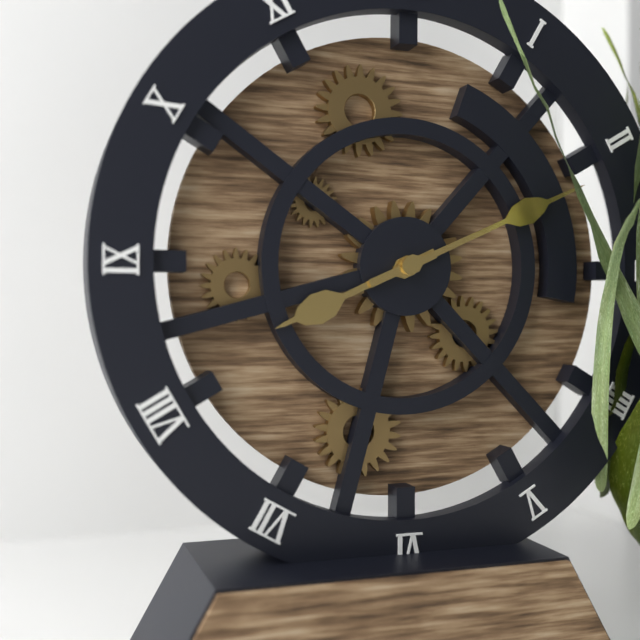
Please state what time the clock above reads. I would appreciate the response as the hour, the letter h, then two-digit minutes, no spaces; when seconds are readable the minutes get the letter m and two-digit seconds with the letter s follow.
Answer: 8h11
